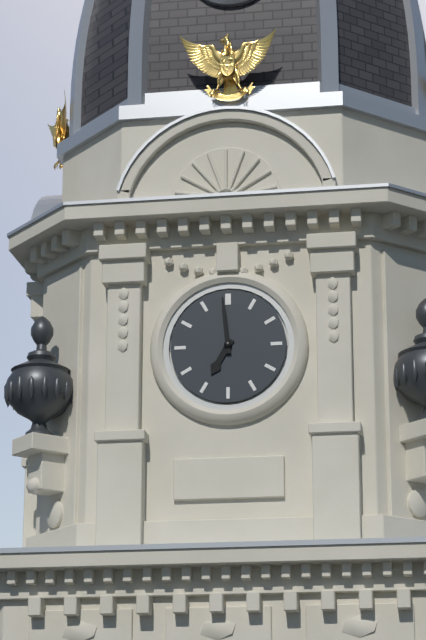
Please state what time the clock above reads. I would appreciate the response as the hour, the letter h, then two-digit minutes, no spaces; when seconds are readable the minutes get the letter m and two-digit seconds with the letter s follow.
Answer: 6h59
